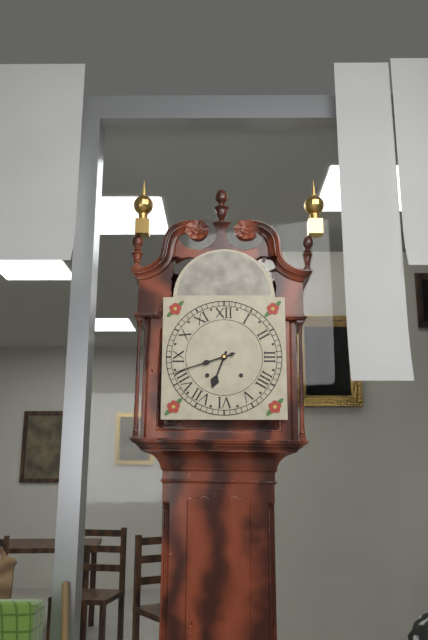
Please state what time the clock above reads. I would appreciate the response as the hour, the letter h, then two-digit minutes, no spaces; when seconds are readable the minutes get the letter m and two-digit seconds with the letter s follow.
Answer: 6h42
